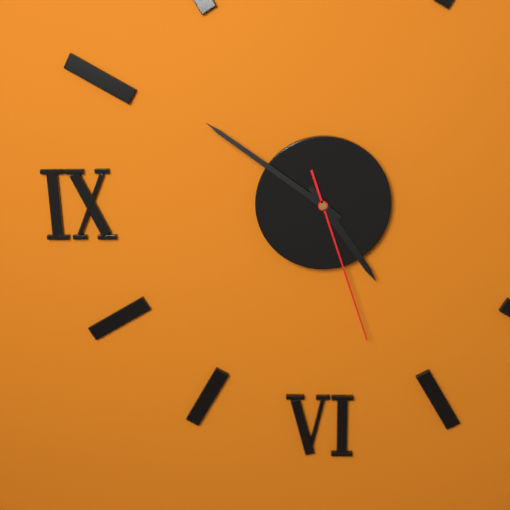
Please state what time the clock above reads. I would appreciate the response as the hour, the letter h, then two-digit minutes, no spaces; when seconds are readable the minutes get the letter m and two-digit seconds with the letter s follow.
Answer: 4h51m27s
